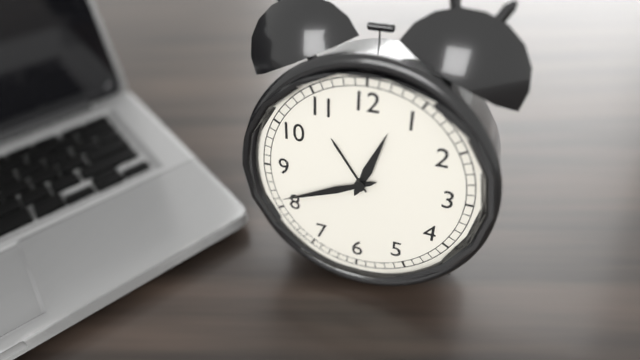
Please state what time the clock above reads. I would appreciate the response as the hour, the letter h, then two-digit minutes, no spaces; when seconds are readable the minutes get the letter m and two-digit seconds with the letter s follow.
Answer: 12h41
